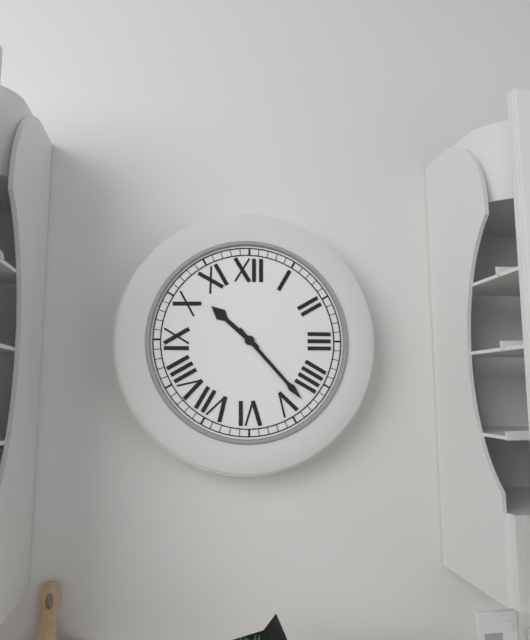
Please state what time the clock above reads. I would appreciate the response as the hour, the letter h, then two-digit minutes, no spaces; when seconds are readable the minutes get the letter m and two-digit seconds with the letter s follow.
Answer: 10h23
